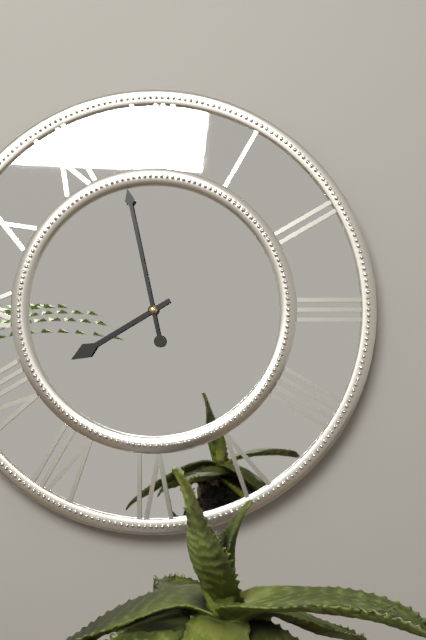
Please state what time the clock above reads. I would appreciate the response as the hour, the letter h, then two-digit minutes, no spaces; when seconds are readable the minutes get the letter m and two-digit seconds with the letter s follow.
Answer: 7h58
